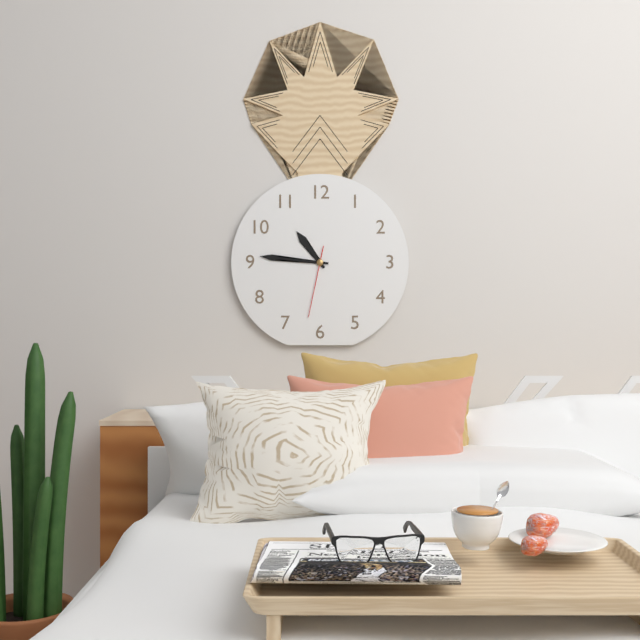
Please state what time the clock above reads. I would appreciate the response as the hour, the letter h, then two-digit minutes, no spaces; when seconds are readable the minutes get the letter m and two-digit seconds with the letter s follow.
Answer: 10h46m32s
